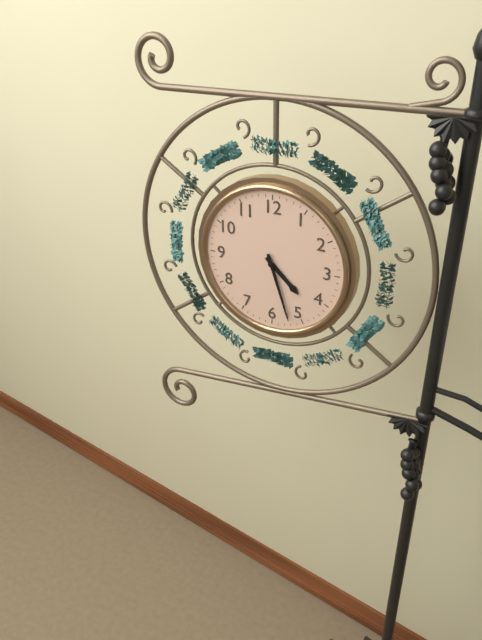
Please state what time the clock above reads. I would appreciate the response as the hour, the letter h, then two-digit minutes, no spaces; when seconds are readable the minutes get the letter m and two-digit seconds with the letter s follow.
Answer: 4h27
